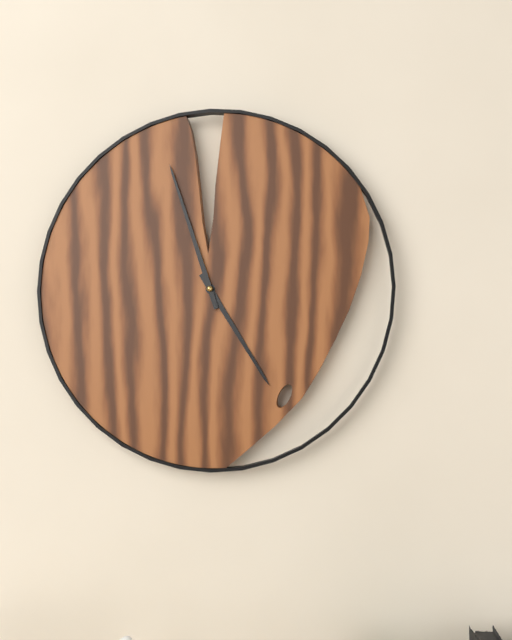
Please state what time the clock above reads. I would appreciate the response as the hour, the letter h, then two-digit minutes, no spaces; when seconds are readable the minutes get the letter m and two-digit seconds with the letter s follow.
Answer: 4h57
